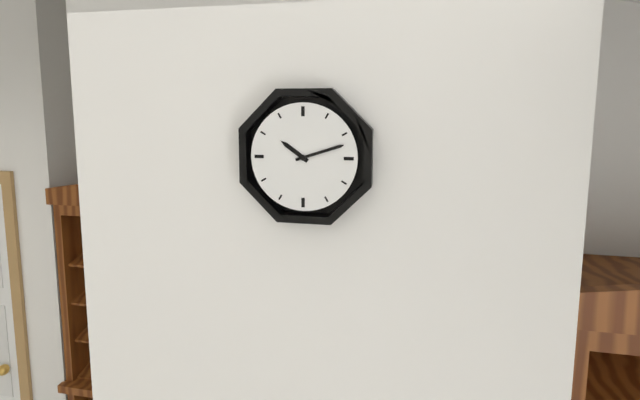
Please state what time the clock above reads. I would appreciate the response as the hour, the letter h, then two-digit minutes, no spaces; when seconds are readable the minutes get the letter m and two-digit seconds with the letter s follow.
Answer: 10h12
